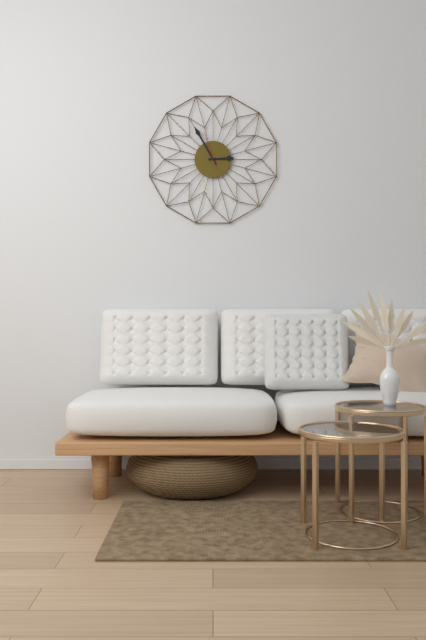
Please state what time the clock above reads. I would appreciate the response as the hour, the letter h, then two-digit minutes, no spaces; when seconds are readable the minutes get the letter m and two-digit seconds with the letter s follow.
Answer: 2h55
